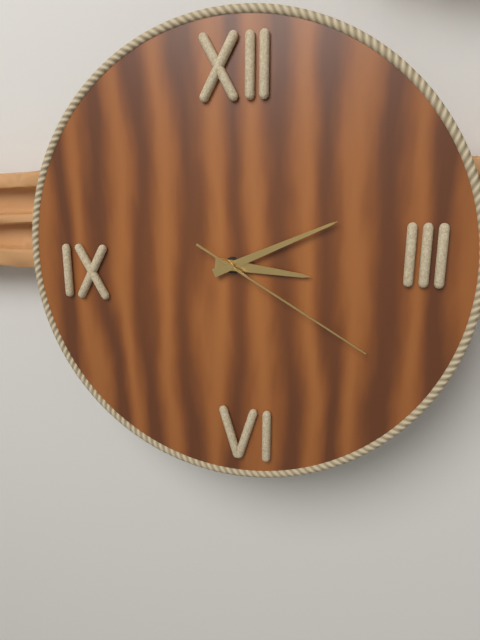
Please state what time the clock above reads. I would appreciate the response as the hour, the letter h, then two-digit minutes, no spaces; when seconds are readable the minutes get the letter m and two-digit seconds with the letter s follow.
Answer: 3h11m20s
